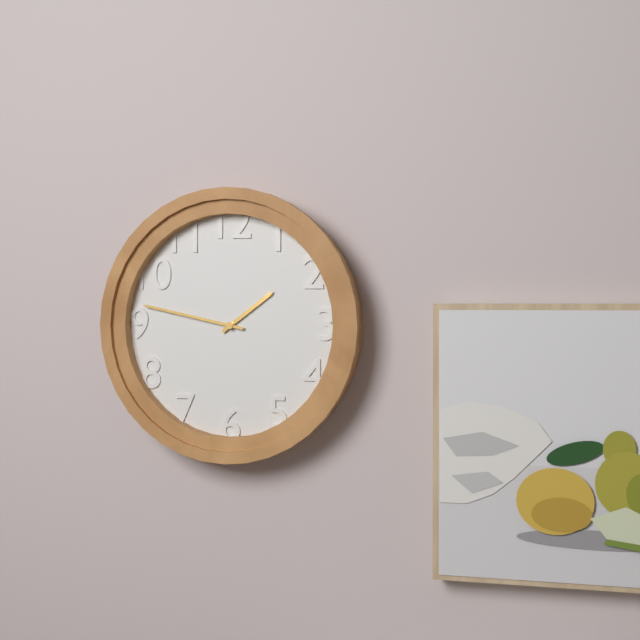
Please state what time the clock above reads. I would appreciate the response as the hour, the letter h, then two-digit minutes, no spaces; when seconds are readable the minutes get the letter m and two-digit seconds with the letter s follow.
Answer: 1h47
